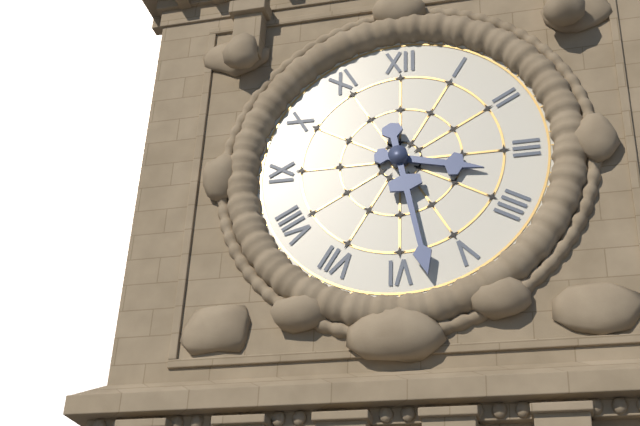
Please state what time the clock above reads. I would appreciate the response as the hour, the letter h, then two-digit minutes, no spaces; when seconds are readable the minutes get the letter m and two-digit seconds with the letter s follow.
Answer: 3h28
